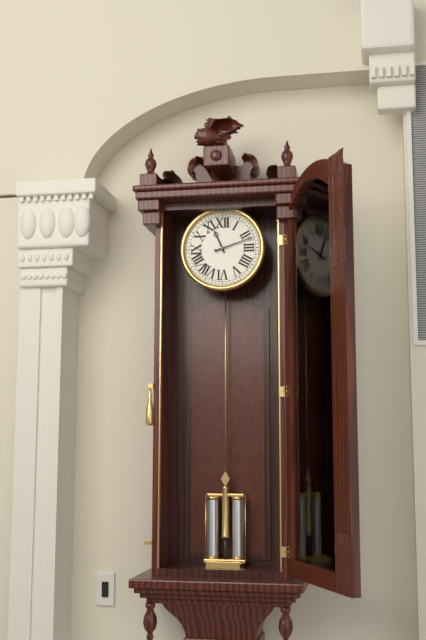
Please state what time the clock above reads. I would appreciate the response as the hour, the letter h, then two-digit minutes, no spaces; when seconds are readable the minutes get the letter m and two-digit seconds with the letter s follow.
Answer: 11h12
